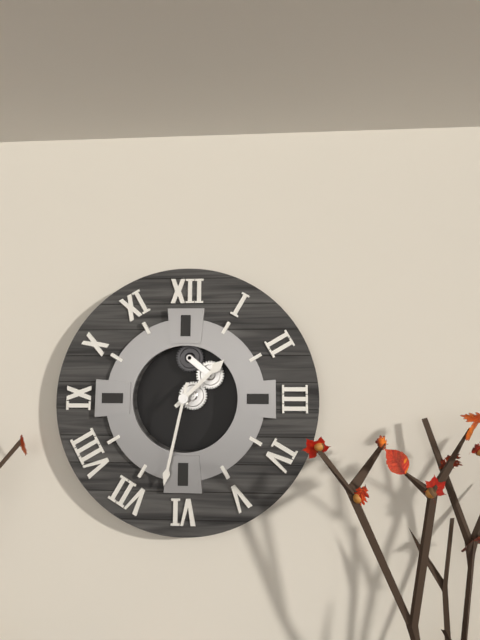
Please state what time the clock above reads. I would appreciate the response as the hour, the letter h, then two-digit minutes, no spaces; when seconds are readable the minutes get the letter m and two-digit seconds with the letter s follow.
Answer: 1h32
